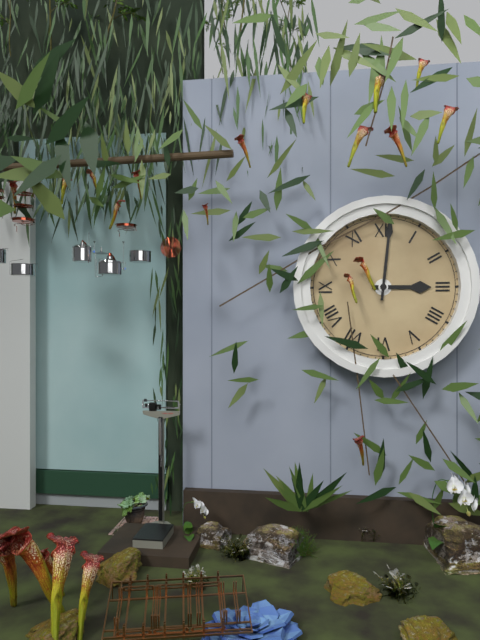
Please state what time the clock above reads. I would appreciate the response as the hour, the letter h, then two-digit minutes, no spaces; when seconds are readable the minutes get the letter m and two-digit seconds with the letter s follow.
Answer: 3h01
